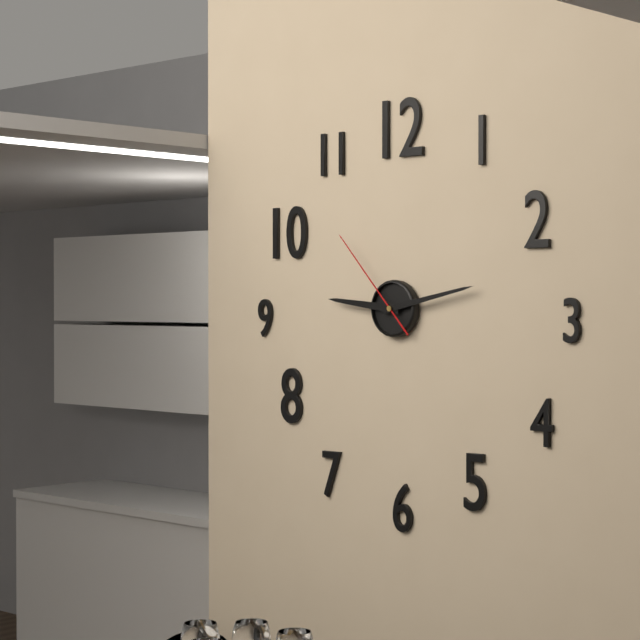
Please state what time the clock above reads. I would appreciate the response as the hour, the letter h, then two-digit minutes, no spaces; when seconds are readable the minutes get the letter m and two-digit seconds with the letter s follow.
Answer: 9h13m53s
